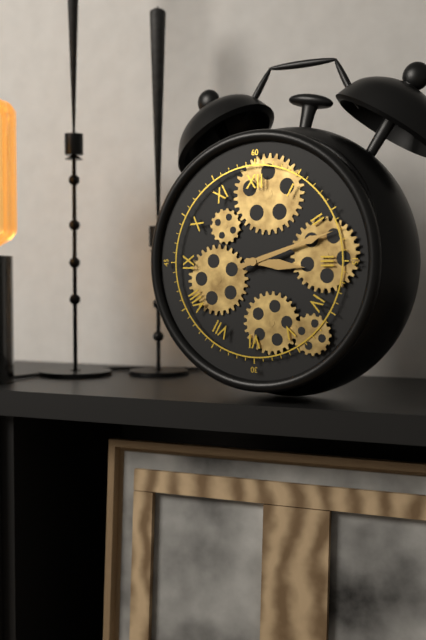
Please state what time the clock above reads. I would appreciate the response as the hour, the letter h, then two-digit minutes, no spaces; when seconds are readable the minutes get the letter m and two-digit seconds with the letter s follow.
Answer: 3h12
